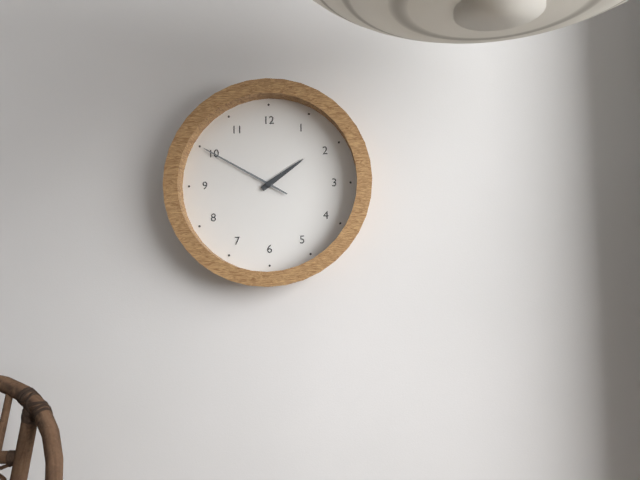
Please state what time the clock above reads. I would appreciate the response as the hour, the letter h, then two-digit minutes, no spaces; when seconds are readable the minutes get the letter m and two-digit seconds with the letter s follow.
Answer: 1h50
